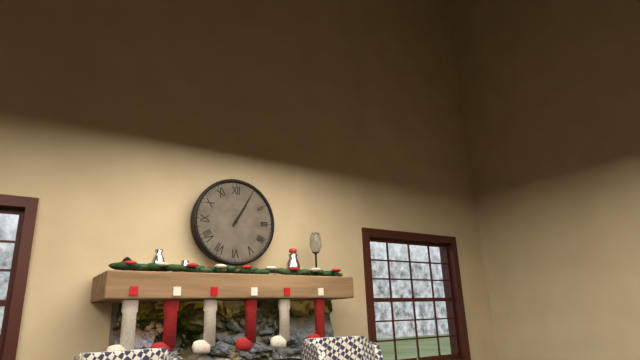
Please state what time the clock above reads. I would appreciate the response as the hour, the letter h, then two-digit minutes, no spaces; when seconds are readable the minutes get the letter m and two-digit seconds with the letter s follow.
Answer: 1h05
